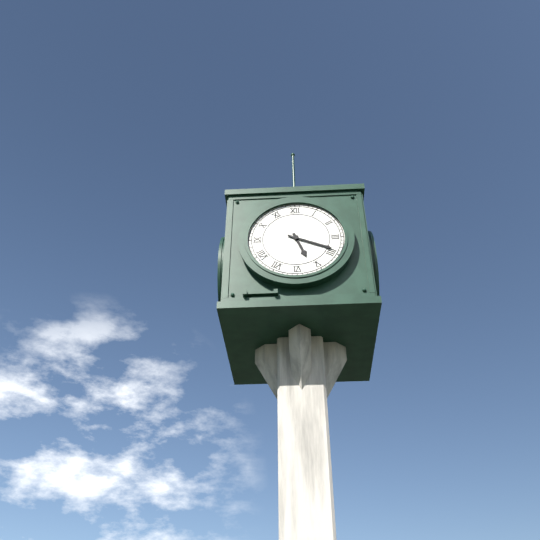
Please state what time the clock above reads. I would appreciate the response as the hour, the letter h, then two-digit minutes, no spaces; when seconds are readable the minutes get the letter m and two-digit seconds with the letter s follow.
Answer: 5h19
